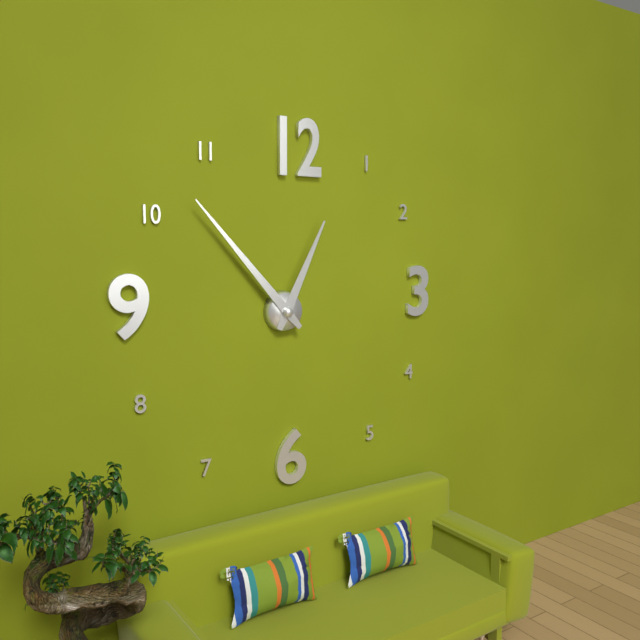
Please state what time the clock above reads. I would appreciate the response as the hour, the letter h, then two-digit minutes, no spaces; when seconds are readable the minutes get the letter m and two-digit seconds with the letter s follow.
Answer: 12h53
